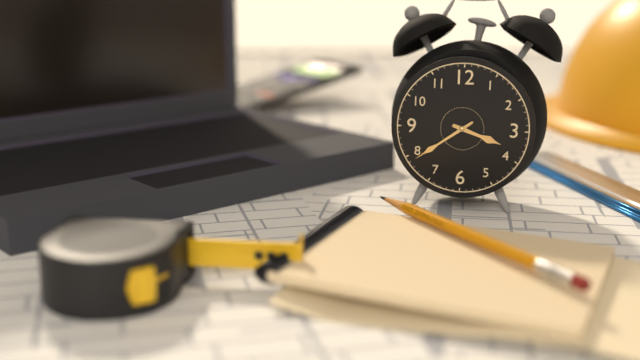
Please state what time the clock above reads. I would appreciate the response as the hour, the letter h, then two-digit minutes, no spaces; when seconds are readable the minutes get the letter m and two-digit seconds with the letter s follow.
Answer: 3h39
